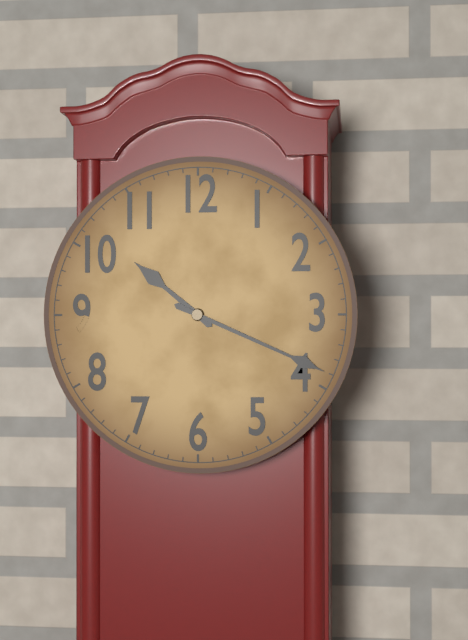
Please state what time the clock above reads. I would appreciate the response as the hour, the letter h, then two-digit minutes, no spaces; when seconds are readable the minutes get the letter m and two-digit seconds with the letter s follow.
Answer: 10h19
